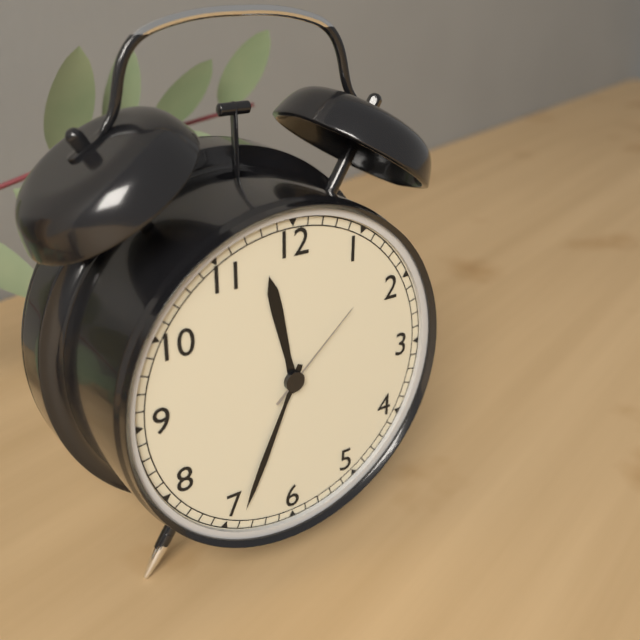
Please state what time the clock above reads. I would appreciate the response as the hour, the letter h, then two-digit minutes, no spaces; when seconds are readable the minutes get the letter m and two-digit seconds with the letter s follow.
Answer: 11h34m08s
